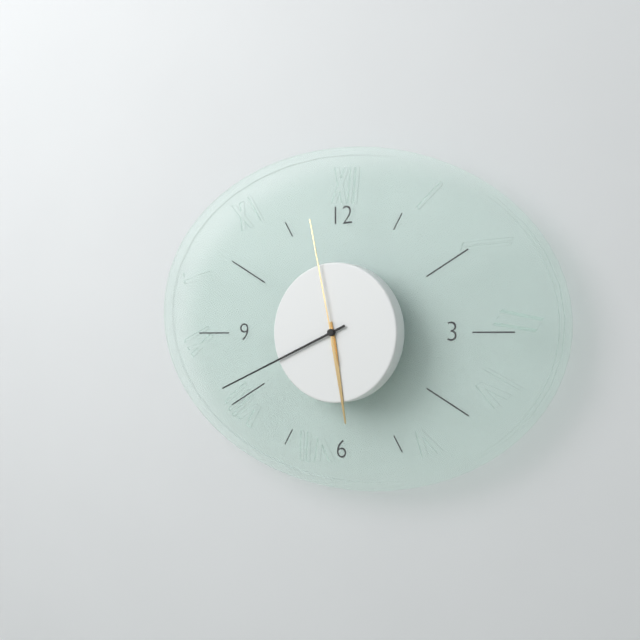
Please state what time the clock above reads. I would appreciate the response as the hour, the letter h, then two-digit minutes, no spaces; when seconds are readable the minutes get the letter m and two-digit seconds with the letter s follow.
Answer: 5h41m58s
